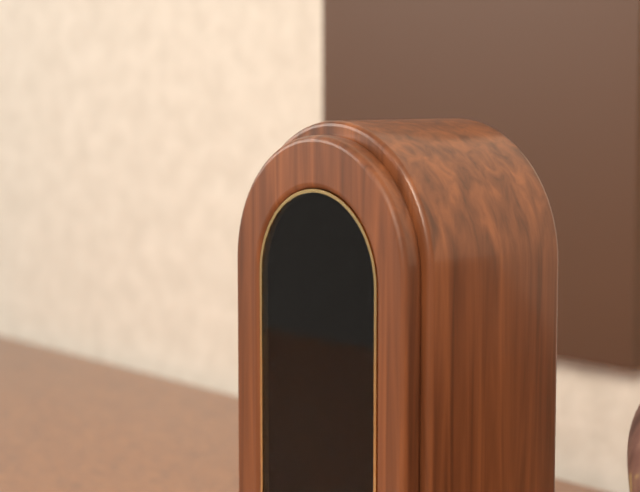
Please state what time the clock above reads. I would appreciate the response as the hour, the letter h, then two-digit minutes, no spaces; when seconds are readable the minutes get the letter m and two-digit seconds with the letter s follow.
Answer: 2h25
